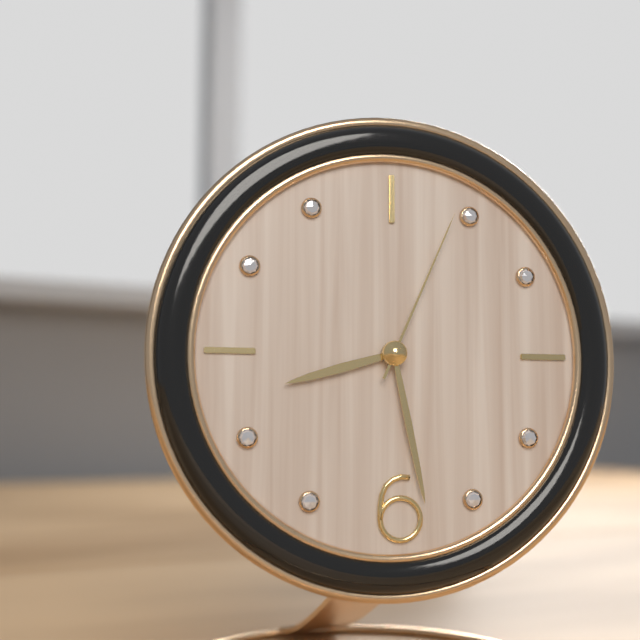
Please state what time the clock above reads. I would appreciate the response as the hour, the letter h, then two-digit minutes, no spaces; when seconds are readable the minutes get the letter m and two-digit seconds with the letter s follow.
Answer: 8h28m04s
